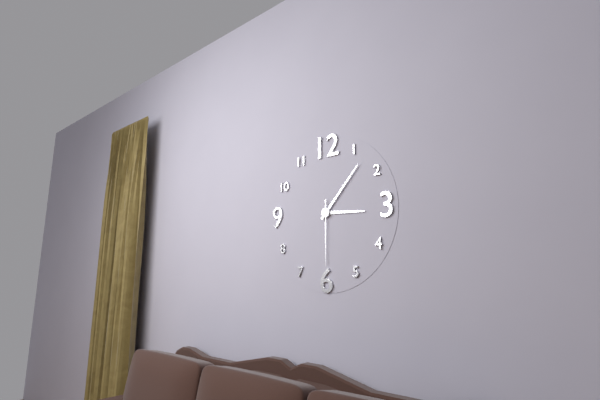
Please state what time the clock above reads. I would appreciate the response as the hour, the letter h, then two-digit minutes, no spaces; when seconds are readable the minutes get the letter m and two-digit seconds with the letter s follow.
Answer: 3h07m30s
